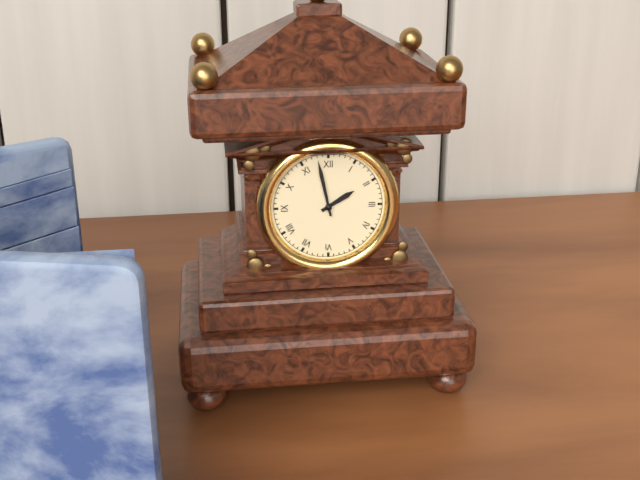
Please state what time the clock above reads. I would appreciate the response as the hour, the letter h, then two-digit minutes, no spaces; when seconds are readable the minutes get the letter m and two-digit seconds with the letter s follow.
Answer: 1h58
